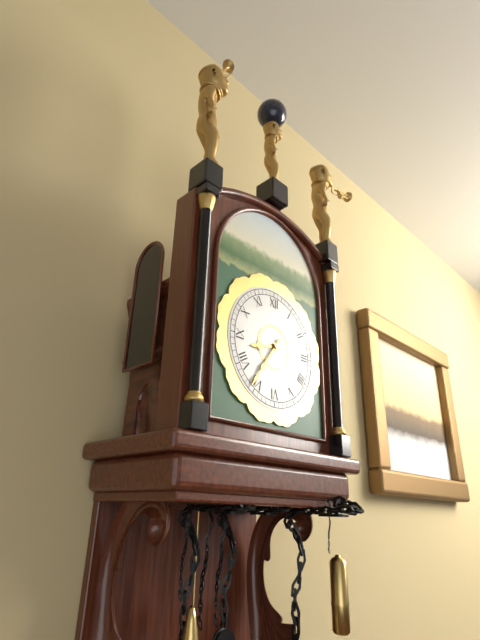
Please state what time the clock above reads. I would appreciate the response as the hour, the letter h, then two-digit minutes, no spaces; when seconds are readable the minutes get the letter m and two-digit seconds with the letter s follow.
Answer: 8h36
